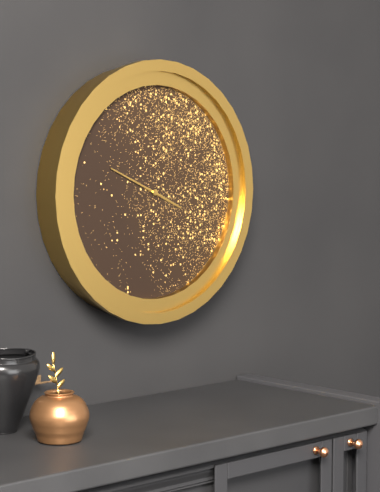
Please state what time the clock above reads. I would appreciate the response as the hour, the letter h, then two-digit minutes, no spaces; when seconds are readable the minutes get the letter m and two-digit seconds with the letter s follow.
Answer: 3h49
